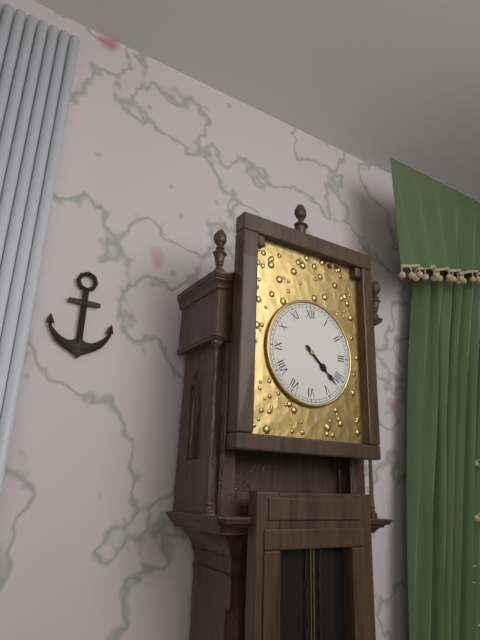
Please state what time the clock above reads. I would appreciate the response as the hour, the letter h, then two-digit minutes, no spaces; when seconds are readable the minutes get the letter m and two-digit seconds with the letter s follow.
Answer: 4h22
